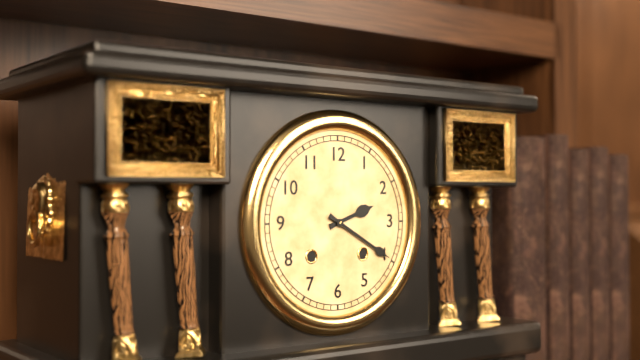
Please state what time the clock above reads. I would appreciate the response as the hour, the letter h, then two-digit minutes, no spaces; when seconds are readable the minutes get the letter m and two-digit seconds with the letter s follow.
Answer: 2h20
